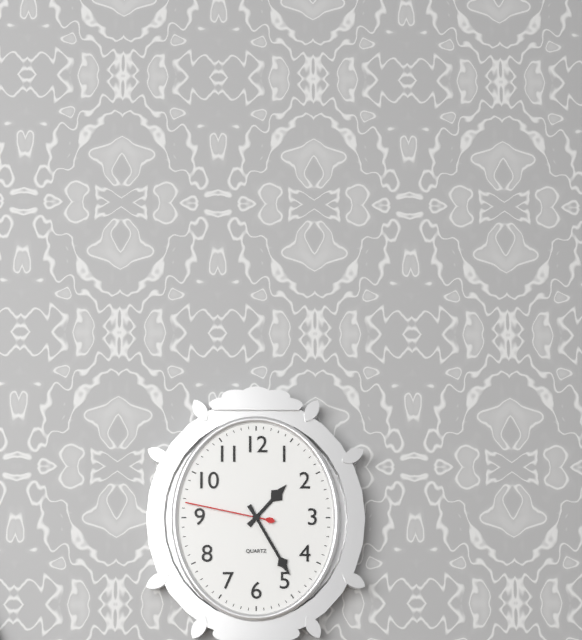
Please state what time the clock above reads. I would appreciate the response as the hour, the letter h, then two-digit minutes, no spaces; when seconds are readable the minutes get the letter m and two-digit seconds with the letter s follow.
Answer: 1h25m47s
